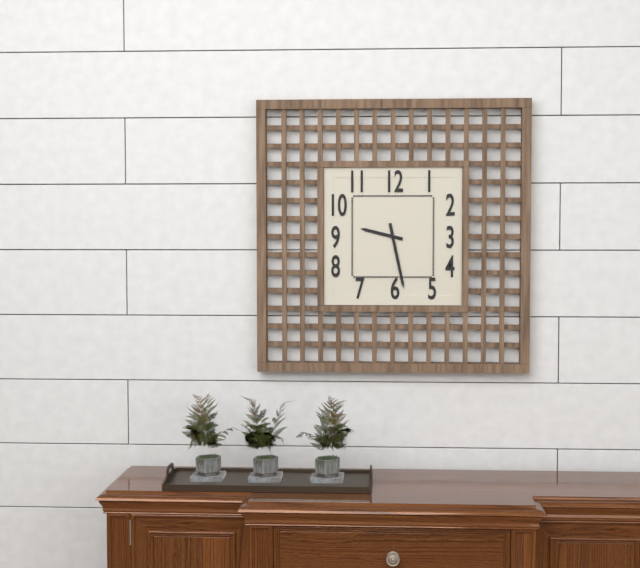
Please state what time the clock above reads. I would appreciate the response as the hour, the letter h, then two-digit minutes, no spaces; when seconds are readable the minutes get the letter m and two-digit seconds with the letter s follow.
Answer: 9h28
